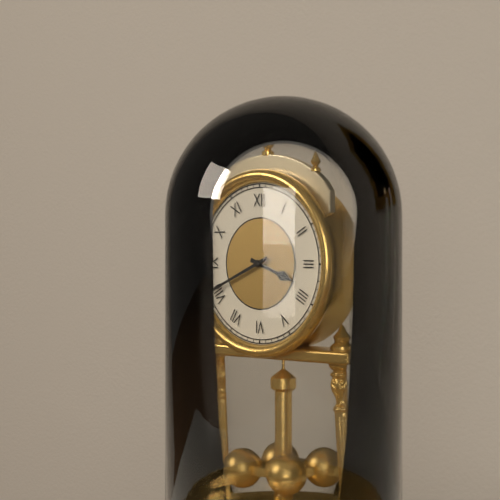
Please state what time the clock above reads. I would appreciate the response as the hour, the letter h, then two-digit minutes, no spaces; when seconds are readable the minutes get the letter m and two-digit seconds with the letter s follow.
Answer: 3h41
